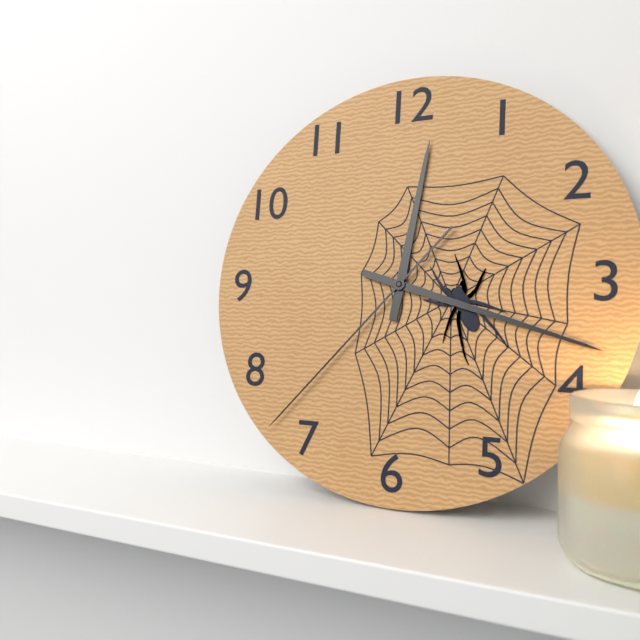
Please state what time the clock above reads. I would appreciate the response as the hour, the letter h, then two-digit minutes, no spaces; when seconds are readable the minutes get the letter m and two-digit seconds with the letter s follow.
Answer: 12h18m37s
